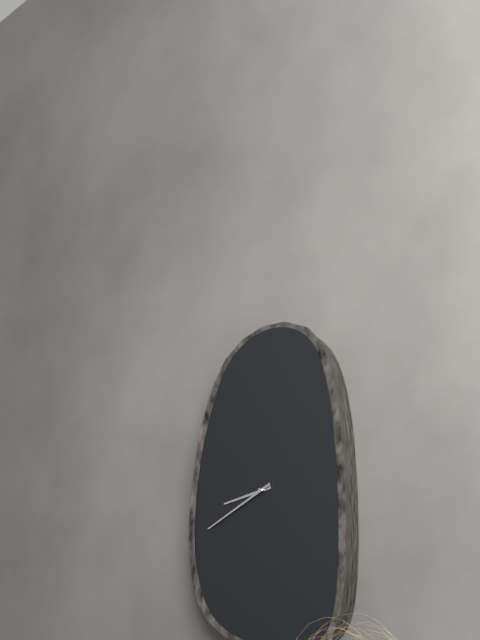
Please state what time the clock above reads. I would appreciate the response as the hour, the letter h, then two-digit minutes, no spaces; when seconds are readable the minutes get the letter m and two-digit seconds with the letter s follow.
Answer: 8h41
